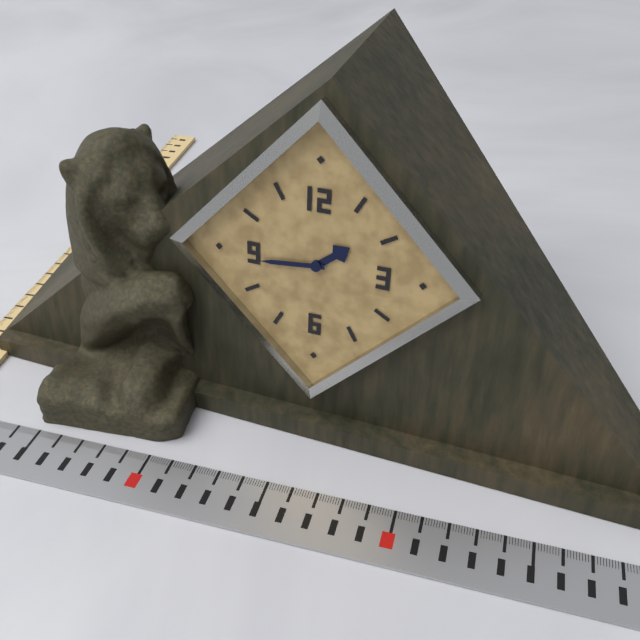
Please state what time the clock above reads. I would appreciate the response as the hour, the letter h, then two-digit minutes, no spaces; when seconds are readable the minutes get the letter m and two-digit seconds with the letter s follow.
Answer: 1h44
